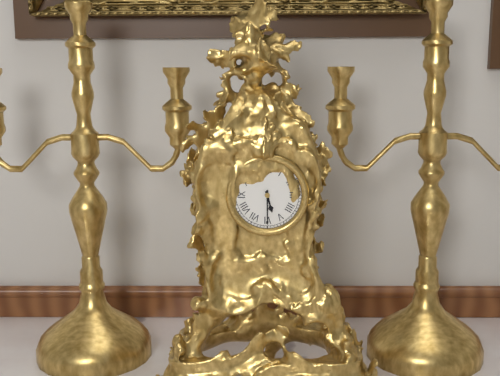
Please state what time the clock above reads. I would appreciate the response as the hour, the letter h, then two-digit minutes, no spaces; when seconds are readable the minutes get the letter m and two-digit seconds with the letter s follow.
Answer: 5h30
